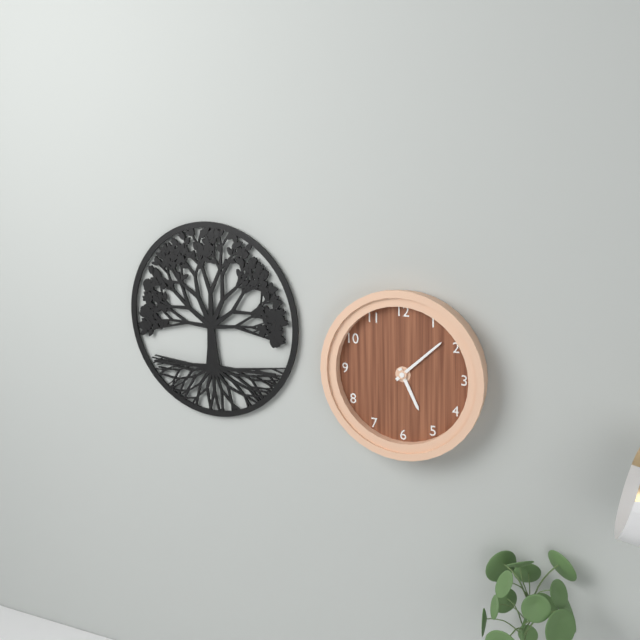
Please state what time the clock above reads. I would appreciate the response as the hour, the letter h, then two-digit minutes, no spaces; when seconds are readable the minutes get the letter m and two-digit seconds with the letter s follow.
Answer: 5h08
